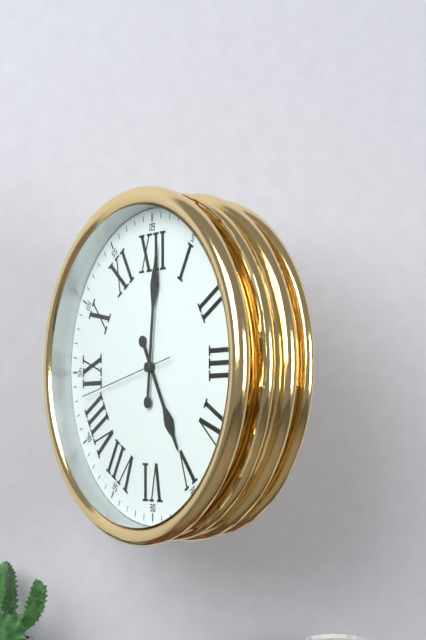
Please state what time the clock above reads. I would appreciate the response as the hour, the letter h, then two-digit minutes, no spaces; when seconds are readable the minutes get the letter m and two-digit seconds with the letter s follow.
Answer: 5h01m43s
